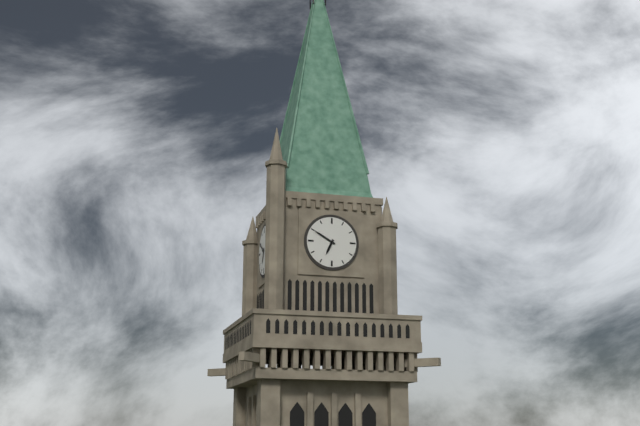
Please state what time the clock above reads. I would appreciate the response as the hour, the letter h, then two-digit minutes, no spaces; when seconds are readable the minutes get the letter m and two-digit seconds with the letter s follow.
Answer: 6h50
